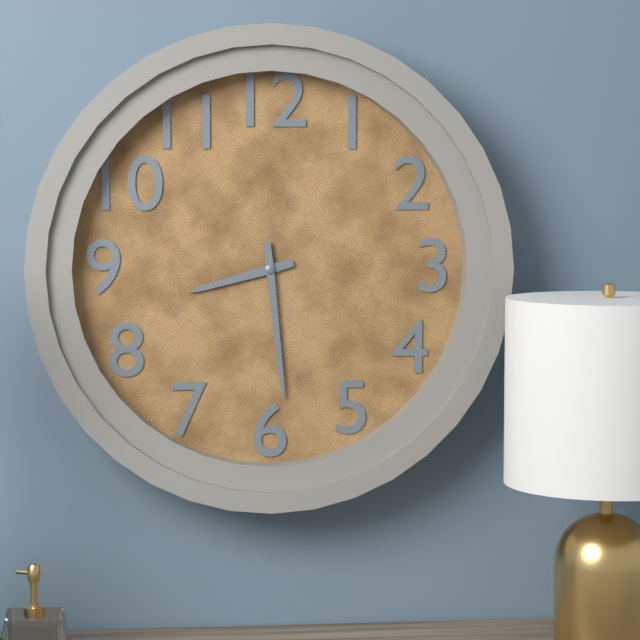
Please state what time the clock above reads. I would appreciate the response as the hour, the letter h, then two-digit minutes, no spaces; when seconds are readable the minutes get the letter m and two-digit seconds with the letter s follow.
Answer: 8h29
